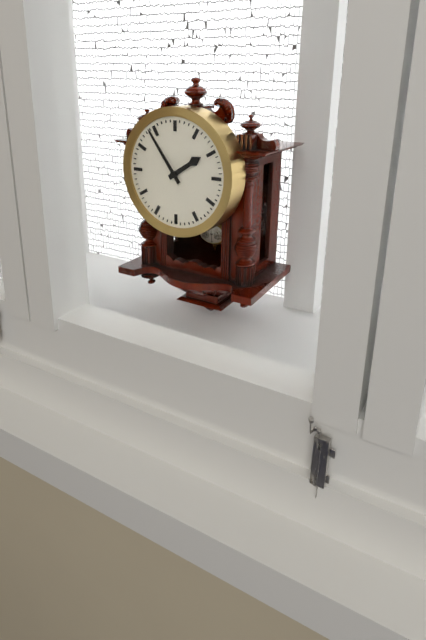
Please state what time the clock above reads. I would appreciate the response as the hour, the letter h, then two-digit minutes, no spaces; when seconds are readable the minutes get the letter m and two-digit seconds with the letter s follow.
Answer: 1h54
